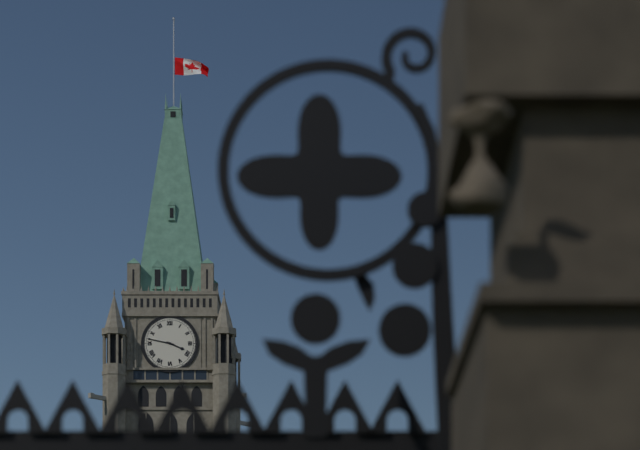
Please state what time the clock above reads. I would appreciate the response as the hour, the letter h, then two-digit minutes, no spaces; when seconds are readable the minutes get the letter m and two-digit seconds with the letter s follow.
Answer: 3h47
